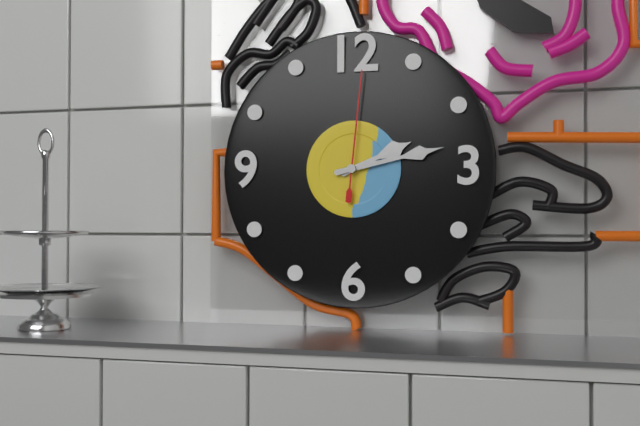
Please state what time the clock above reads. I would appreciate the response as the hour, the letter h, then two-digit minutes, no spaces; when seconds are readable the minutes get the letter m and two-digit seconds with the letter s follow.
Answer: 2h13m01s
